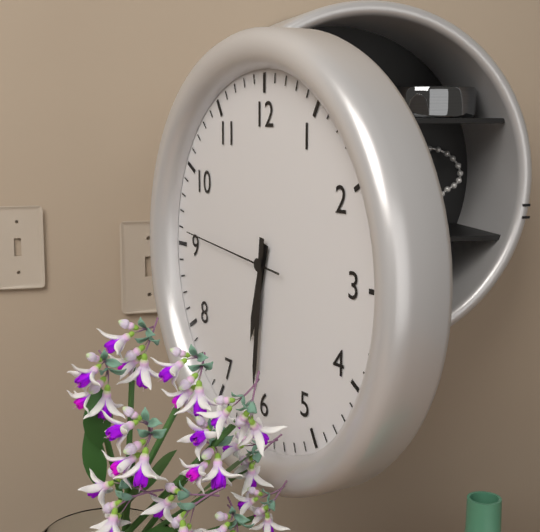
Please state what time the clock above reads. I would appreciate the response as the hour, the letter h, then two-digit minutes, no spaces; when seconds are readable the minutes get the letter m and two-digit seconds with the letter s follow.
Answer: 6h31m46s
